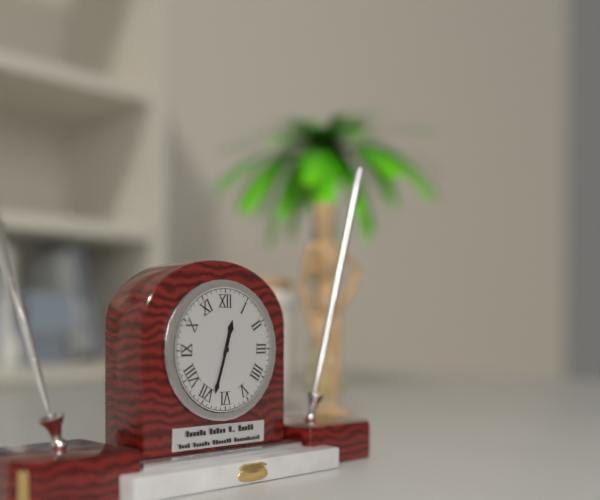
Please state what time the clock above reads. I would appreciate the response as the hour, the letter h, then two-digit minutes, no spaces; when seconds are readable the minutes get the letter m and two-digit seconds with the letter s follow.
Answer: 12h33
